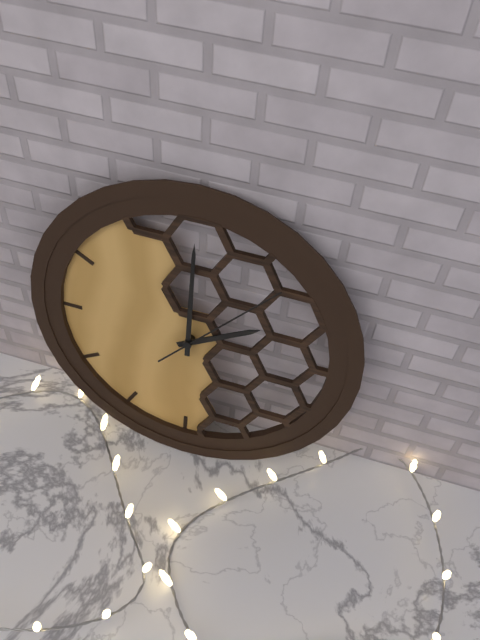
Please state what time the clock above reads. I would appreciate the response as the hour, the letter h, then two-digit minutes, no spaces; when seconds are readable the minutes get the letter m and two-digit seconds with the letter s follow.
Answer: 2h00m07s
